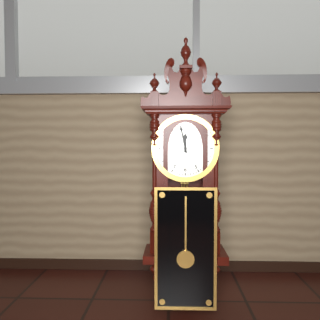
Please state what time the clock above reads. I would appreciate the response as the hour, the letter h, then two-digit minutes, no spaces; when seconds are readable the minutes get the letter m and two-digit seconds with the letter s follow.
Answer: 11h58
